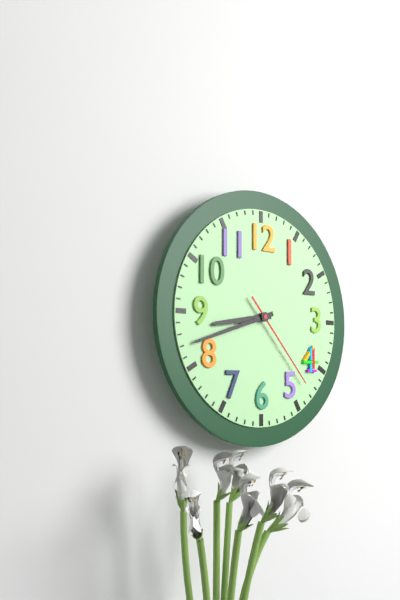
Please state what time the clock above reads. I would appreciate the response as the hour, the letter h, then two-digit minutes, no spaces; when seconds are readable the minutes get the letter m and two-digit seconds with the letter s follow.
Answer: 8h42m23s
